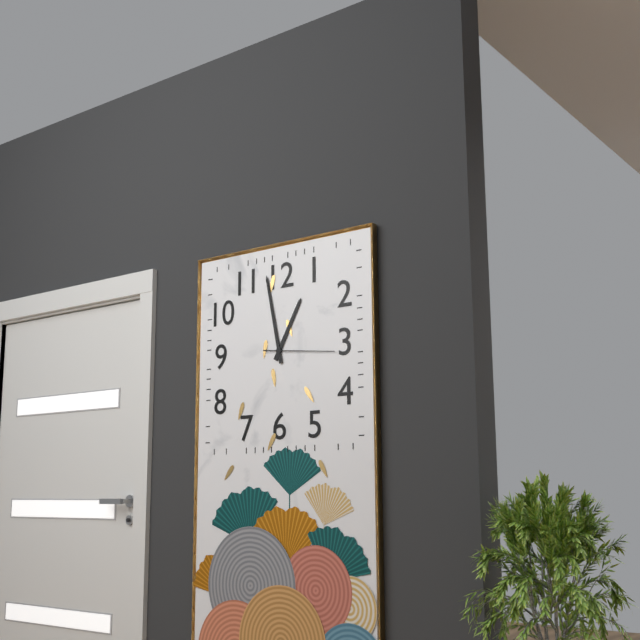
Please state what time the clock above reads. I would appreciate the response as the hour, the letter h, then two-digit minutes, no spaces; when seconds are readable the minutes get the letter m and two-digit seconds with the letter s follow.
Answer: 12h58m16s
